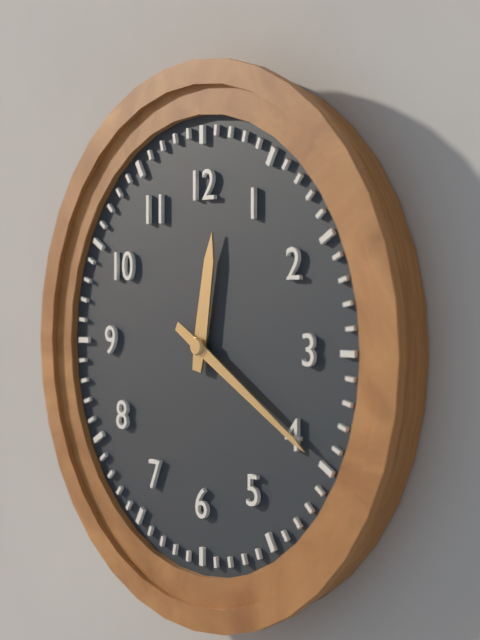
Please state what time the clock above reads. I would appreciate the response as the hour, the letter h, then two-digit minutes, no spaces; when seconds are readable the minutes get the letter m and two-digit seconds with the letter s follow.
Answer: 12h20
